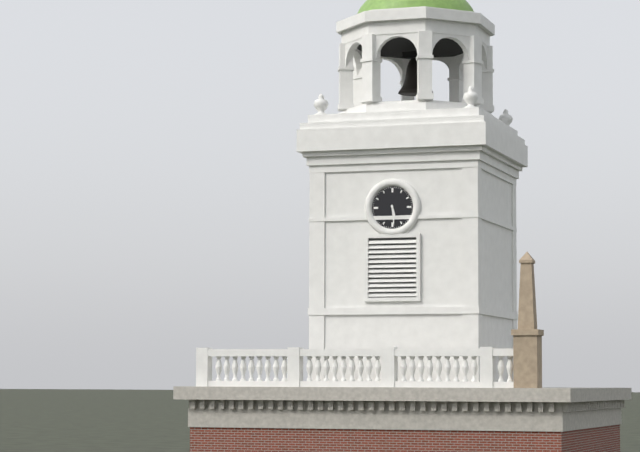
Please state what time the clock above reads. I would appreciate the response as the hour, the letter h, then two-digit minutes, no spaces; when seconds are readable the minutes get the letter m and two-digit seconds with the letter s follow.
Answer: 5h29
